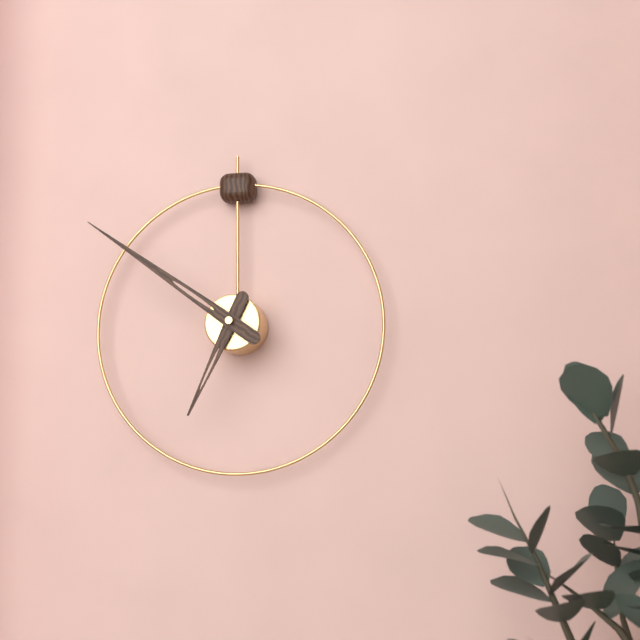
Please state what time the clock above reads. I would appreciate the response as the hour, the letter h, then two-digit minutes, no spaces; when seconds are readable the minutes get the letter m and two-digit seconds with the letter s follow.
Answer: 6h51
